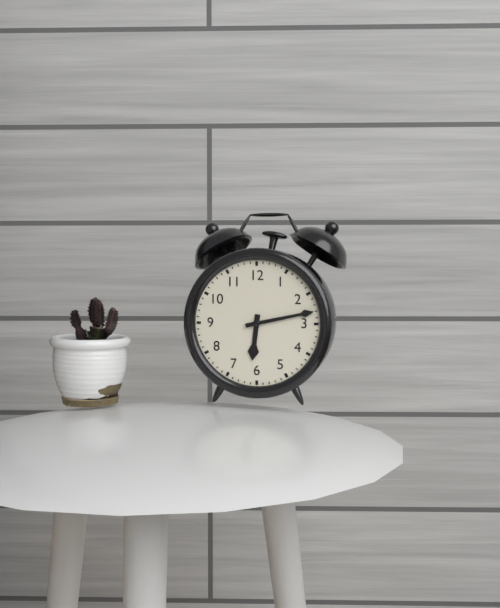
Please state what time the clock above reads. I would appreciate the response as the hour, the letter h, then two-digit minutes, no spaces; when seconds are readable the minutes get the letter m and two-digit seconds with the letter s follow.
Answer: 6h13
